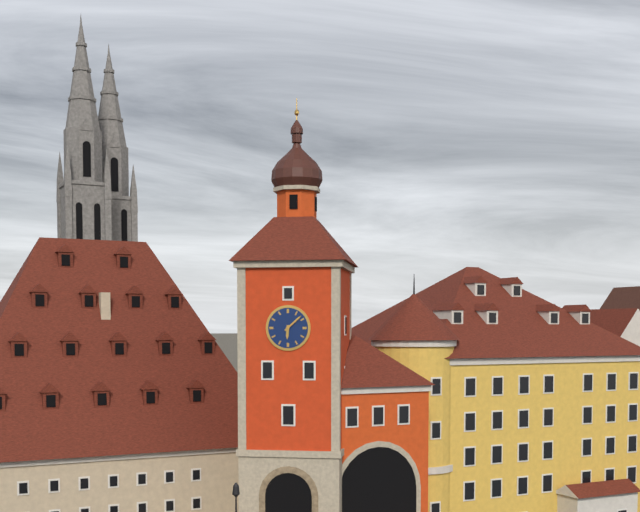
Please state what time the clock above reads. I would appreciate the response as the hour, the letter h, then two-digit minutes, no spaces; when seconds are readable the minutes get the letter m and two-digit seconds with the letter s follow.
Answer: 6h08
